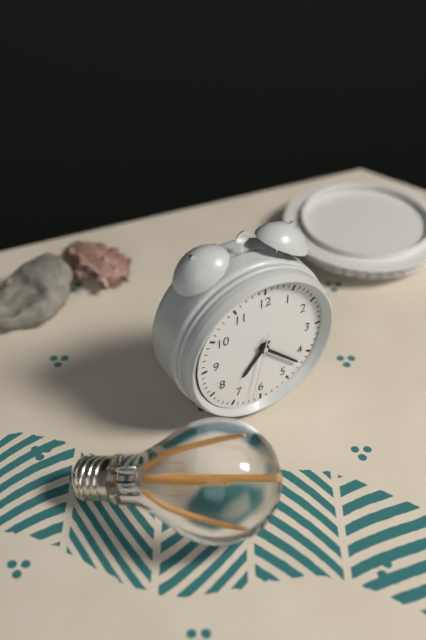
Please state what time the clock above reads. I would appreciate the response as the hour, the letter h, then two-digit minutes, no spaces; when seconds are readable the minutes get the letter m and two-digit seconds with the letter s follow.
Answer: 7h22m32s
